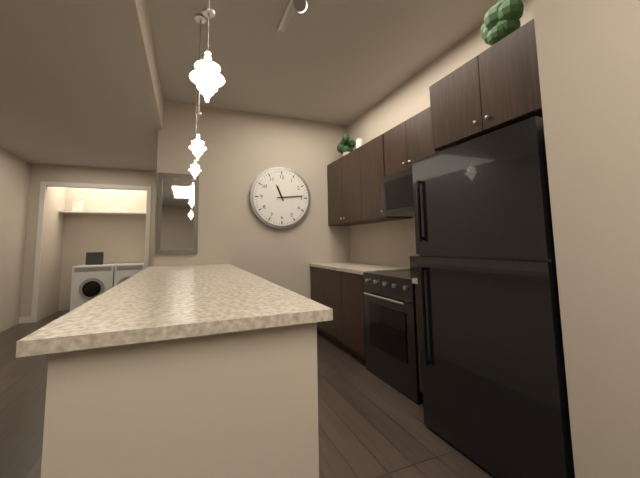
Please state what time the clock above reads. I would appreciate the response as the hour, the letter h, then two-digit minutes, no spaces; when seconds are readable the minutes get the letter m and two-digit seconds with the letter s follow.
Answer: 11h14
